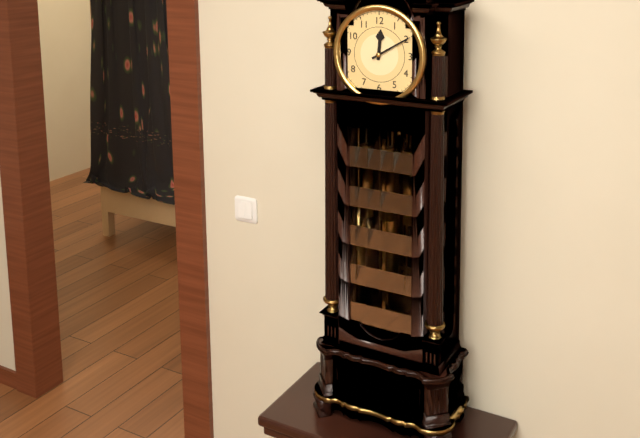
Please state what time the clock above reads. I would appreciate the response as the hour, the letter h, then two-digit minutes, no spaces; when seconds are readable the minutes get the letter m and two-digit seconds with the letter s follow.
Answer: 12h10
